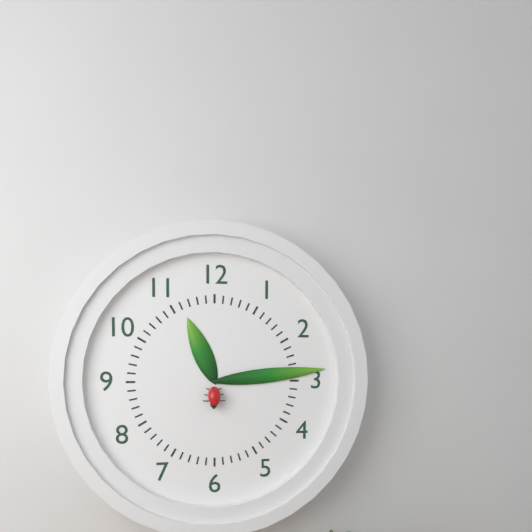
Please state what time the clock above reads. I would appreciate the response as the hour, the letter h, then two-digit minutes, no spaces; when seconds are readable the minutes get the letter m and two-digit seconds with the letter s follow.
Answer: 11h14
